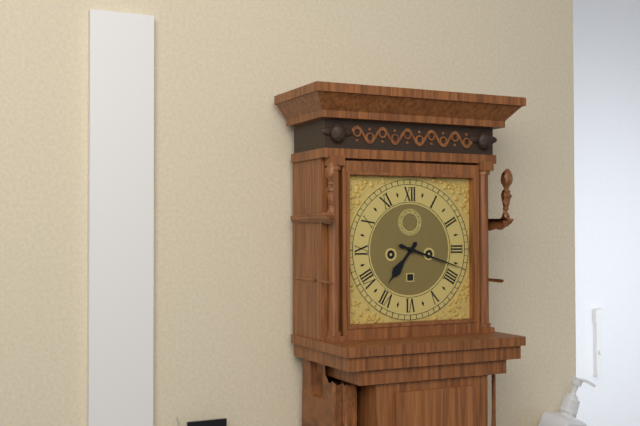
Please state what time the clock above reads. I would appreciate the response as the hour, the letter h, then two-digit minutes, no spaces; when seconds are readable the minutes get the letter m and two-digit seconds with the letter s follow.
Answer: 7h18
